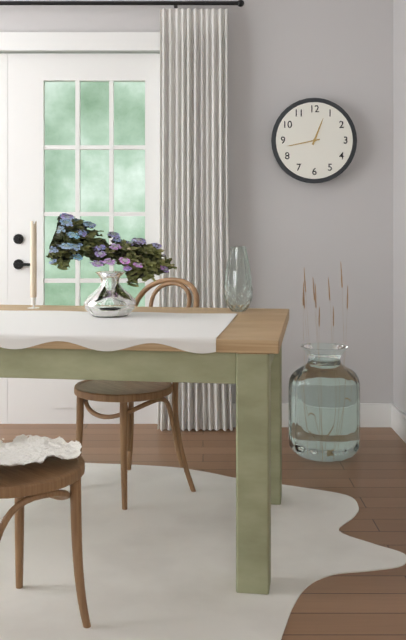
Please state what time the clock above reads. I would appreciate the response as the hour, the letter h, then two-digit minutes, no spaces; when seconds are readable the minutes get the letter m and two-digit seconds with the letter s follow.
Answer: 12h43
